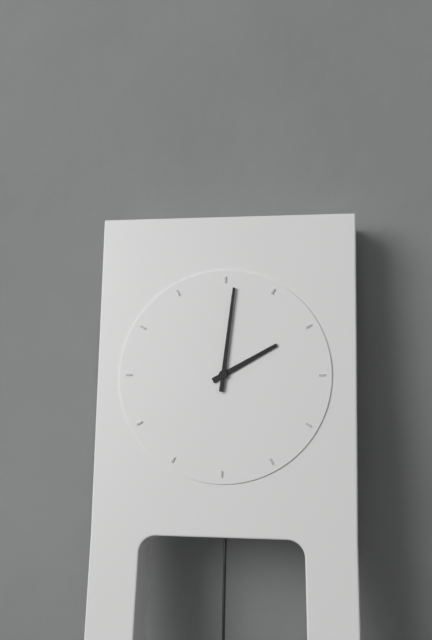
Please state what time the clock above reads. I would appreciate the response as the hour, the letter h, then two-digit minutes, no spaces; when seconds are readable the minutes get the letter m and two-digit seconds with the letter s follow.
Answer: 2h01
